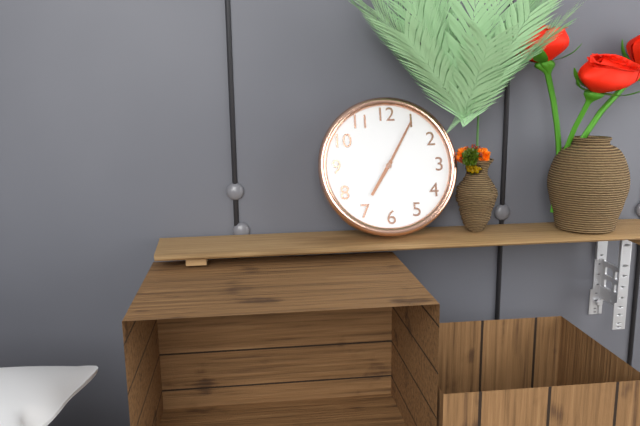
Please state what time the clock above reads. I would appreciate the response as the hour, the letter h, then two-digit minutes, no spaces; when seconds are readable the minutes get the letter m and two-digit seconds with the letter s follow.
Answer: 7h05
